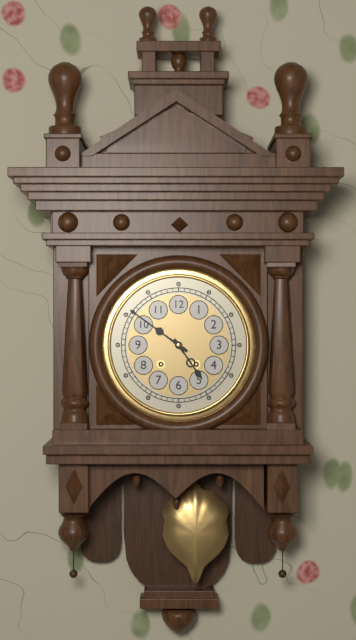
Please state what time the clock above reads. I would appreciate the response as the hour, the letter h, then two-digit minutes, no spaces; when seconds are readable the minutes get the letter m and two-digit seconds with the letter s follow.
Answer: 4h51
